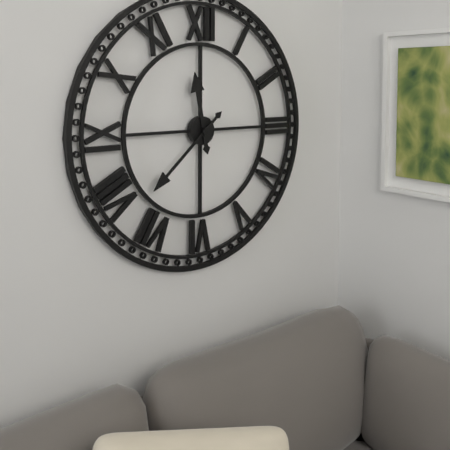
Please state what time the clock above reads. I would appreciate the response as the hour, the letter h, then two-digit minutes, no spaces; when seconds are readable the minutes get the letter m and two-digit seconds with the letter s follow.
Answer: 11h38
